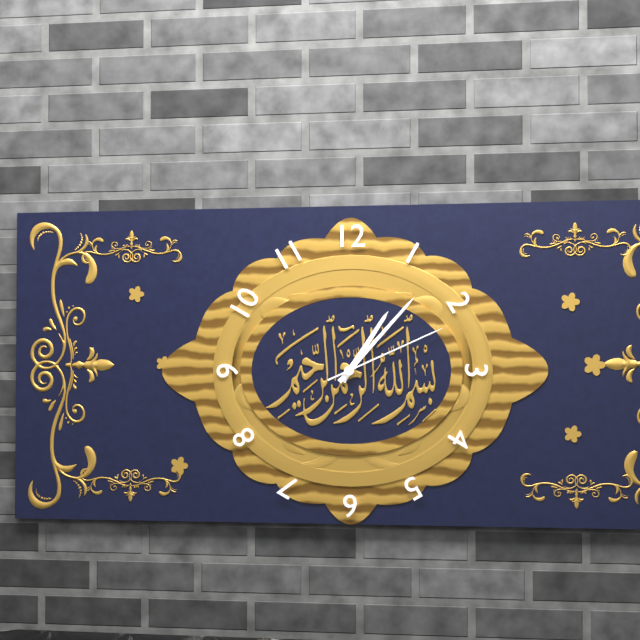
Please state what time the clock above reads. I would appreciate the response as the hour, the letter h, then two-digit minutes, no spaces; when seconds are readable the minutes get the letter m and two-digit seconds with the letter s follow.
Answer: 1h07m11s
